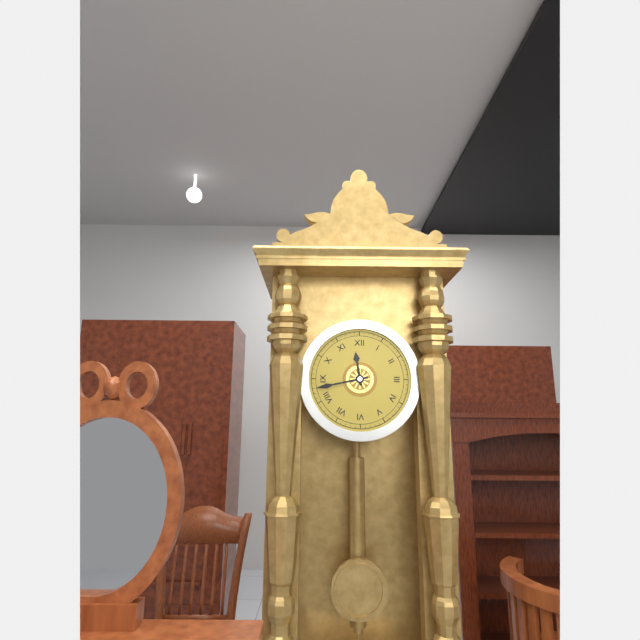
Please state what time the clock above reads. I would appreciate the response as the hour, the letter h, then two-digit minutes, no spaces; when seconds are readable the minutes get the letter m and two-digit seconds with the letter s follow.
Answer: 11h43
